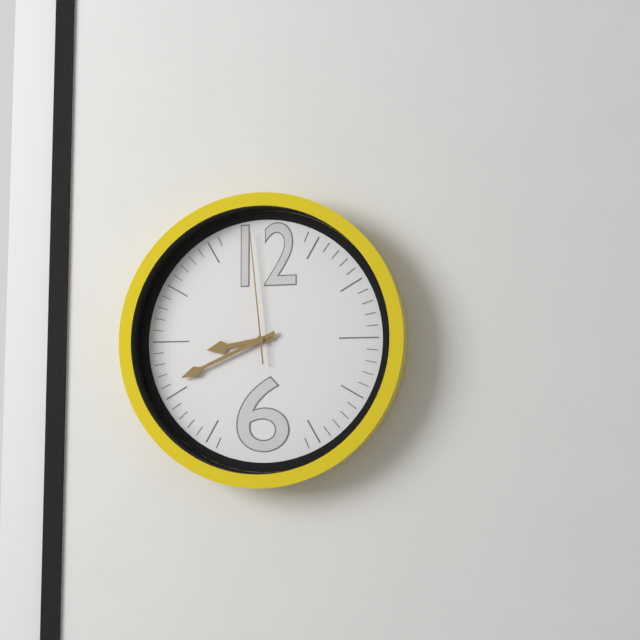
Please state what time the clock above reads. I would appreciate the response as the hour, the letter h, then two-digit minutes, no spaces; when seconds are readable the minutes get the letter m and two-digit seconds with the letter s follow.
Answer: 8h41m59s
